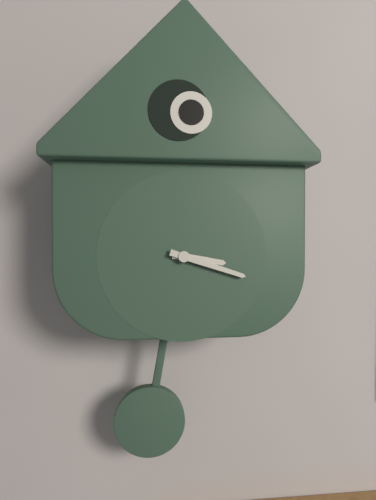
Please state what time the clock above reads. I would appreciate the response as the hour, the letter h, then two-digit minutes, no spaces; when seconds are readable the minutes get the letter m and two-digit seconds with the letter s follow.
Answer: 3h18
